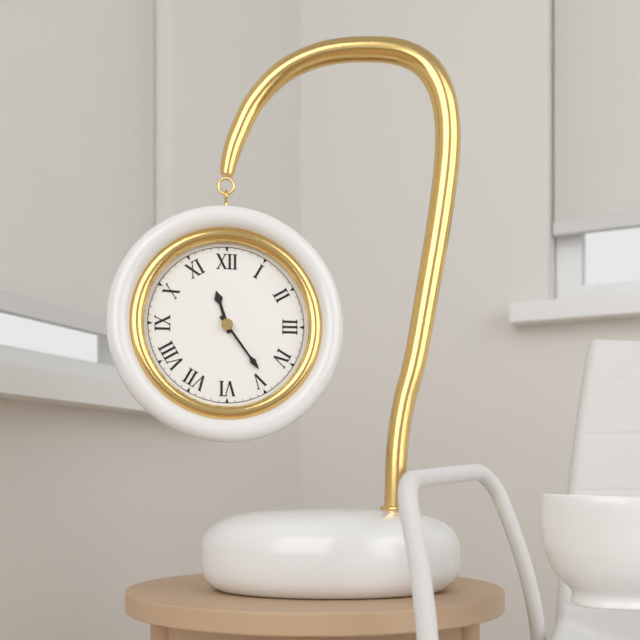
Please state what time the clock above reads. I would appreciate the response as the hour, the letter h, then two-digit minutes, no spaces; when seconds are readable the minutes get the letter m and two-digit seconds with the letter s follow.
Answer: 11h24
